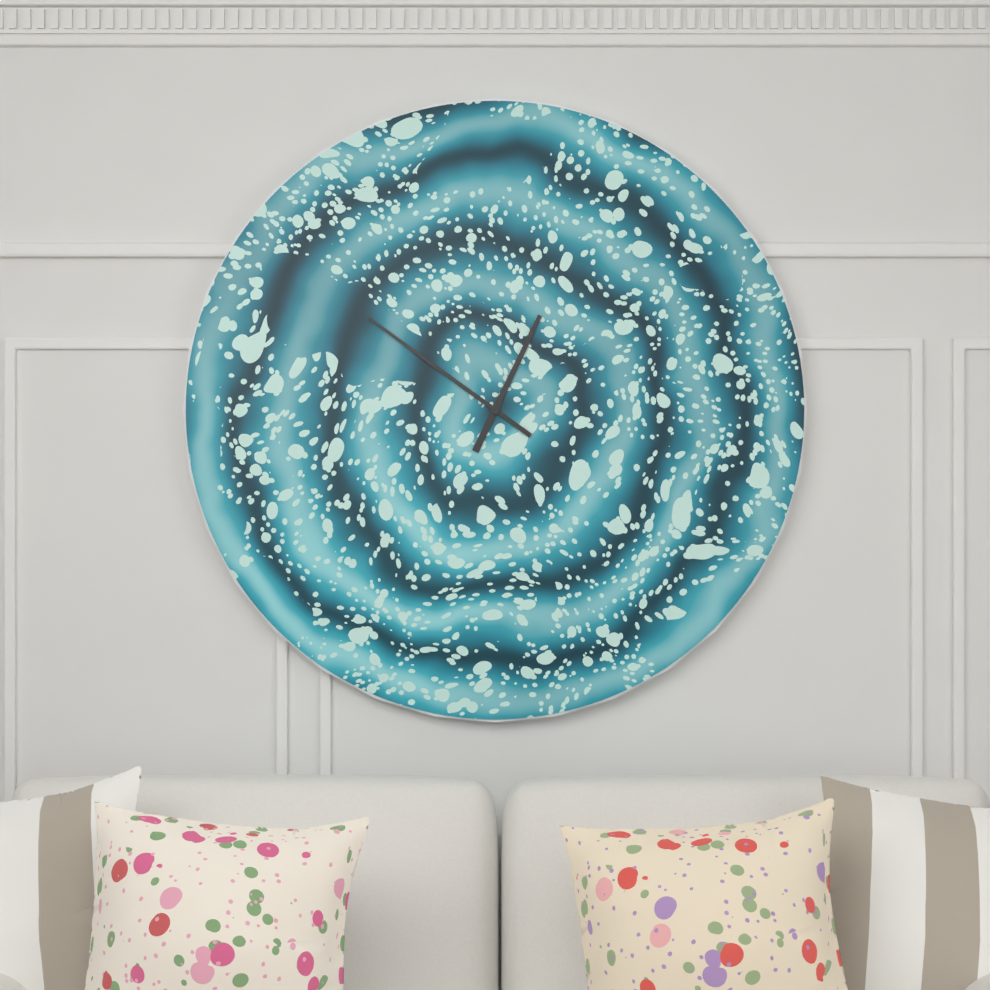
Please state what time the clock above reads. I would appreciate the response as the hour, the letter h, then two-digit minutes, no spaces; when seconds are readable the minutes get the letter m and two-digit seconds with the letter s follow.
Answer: 12h51
